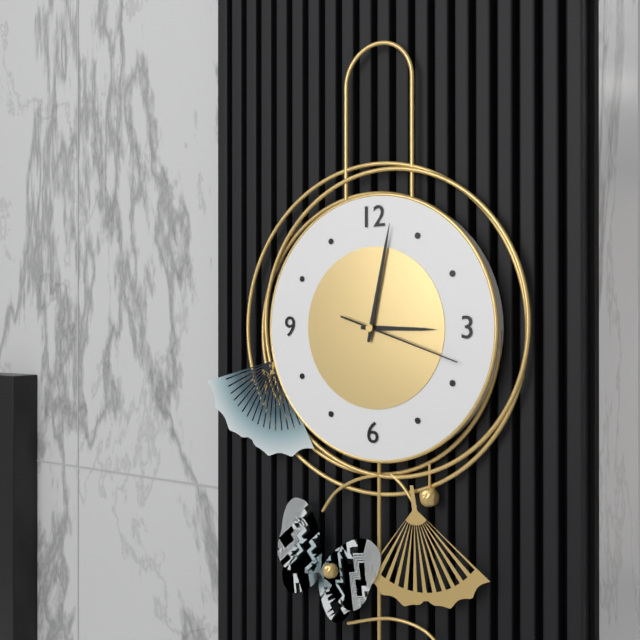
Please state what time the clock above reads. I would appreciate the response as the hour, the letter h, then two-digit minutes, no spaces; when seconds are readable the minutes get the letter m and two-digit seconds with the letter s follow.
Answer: 3h02m18s
